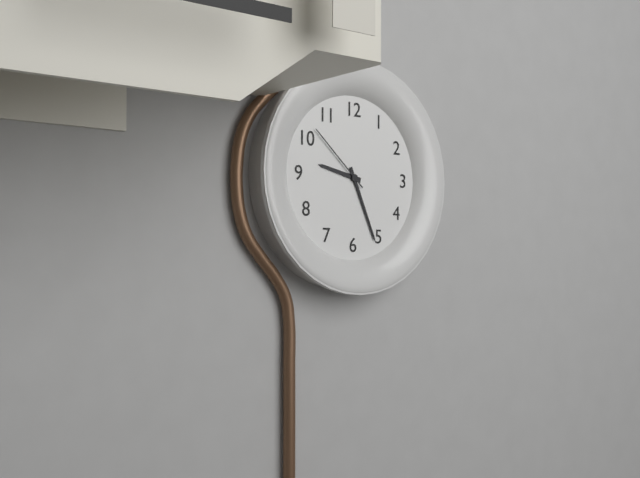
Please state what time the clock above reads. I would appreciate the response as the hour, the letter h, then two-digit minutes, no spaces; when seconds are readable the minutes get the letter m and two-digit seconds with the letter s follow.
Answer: 9h26m52s
